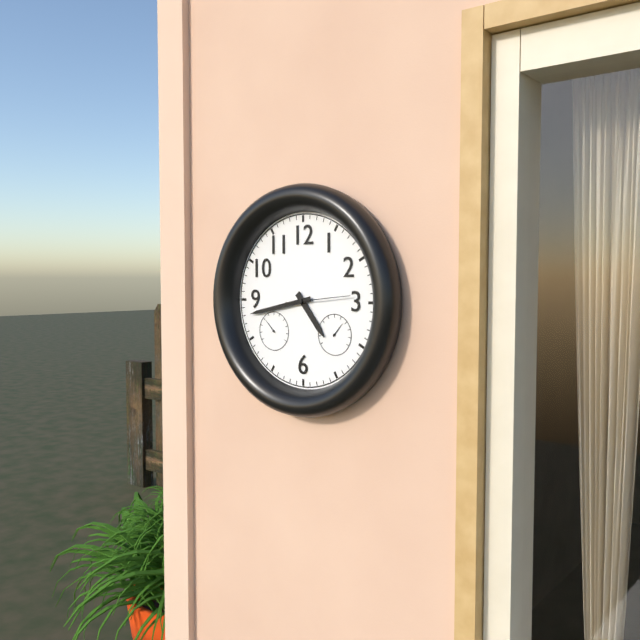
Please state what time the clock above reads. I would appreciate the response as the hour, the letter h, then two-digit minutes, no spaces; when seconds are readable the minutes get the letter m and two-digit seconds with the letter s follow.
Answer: 4h43m14s
